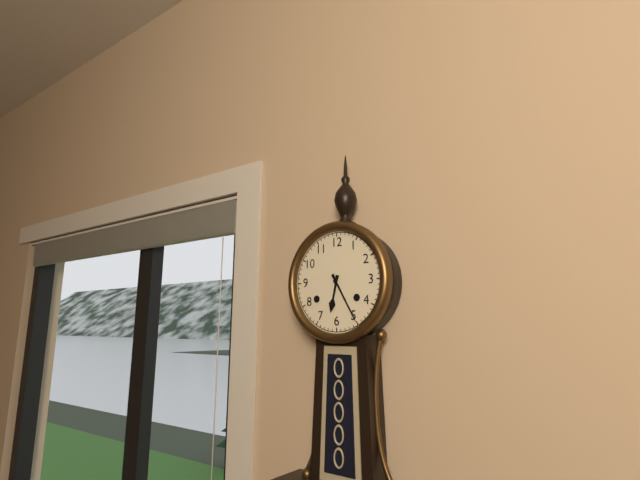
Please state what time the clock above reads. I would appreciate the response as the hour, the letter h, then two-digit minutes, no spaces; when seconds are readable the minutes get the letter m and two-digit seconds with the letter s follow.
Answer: 6h25
